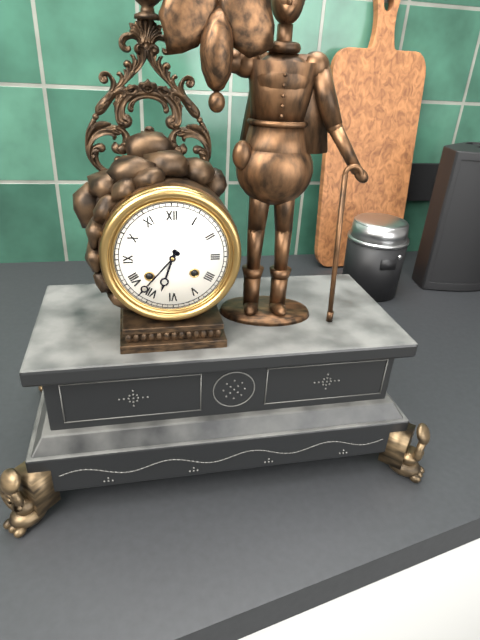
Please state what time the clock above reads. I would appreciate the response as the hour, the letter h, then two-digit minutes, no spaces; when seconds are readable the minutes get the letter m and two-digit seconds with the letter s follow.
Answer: 6h37
